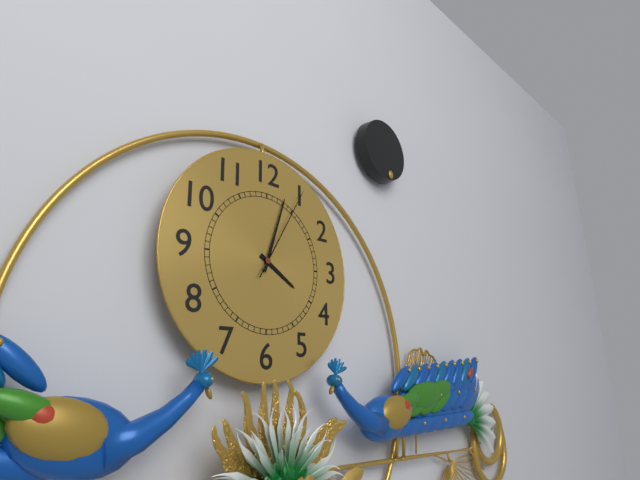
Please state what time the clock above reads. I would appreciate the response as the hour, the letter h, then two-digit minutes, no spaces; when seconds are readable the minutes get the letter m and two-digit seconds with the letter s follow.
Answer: 4h03m05s
